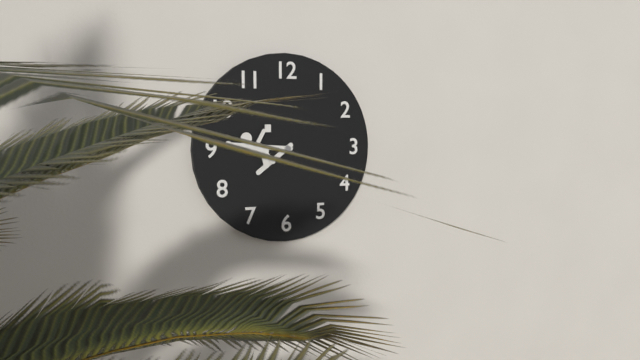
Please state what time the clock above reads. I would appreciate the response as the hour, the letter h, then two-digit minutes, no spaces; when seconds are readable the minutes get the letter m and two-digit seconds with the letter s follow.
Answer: 7h45
